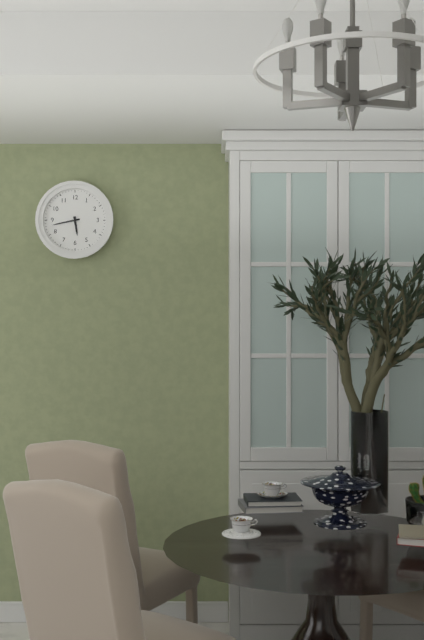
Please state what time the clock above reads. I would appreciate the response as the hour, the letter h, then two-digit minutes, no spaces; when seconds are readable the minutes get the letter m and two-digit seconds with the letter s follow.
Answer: 5h43
